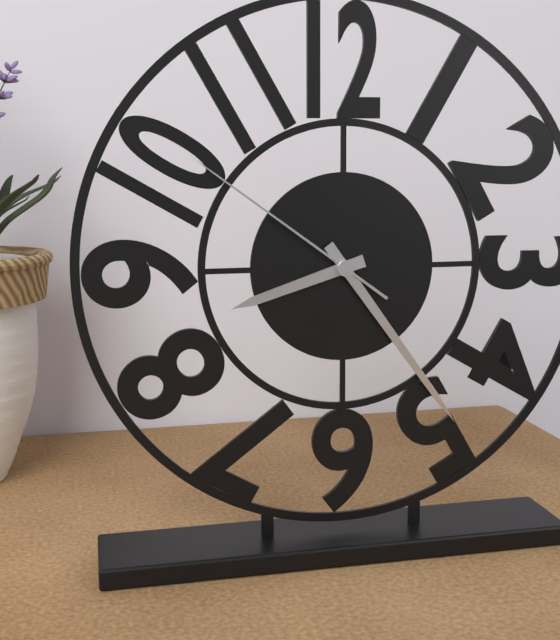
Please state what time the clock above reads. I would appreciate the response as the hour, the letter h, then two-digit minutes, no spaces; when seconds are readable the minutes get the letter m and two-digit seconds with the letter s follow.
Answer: 8h24m51s
